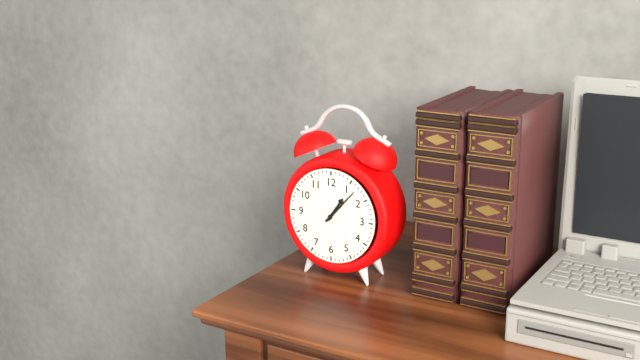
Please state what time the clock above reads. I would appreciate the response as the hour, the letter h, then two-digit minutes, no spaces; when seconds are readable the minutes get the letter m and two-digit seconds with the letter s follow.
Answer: 1h07
